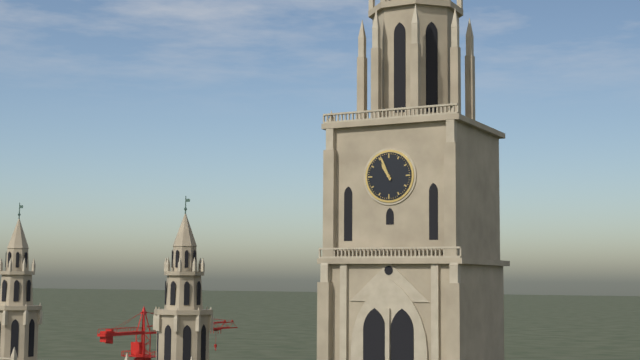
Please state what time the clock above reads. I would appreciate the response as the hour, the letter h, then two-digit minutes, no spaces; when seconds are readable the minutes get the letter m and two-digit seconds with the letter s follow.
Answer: 10h56
